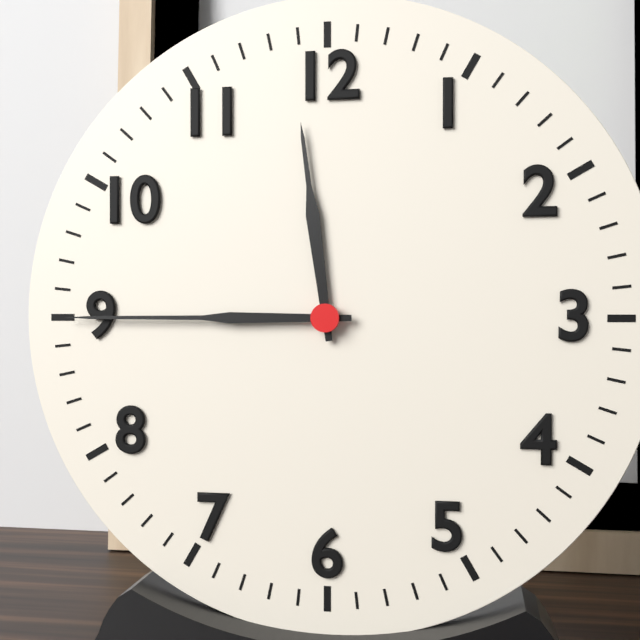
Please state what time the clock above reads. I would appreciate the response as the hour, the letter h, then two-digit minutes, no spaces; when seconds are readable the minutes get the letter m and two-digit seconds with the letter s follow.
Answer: 11h45
